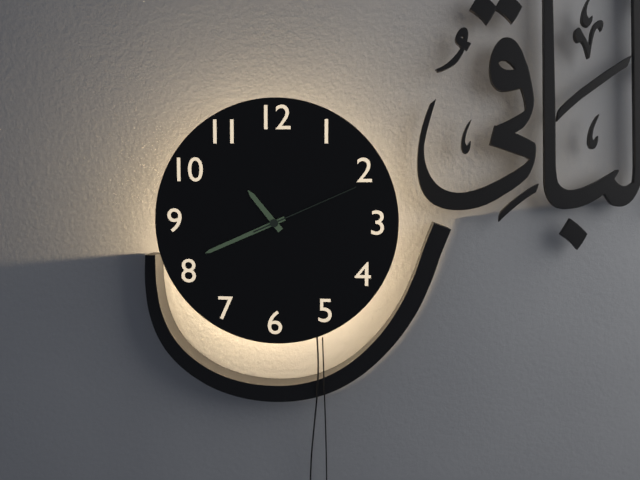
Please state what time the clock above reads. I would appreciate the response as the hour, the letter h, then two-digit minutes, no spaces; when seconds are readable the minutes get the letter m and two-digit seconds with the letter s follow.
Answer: 10h41m11s
